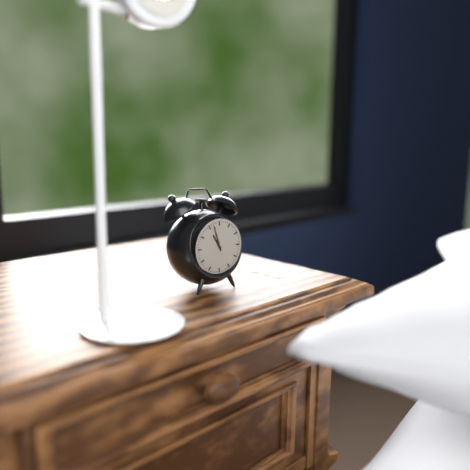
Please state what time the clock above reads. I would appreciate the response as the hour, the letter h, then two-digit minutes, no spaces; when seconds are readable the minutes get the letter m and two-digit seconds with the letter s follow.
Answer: 10h57
